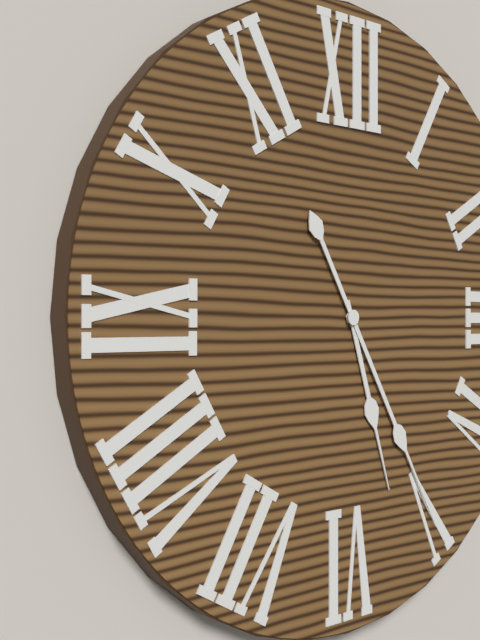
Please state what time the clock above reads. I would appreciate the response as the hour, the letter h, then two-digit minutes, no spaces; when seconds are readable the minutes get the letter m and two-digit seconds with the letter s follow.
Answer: 5h25
